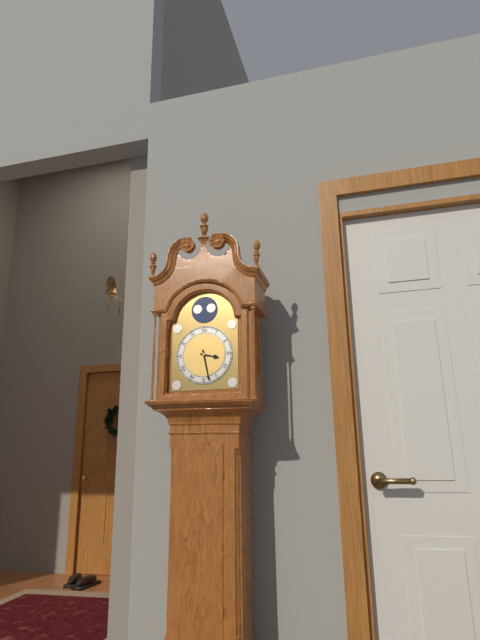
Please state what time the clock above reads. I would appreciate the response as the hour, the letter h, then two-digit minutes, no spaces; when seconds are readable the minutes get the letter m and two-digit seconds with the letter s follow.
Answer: 3h28
